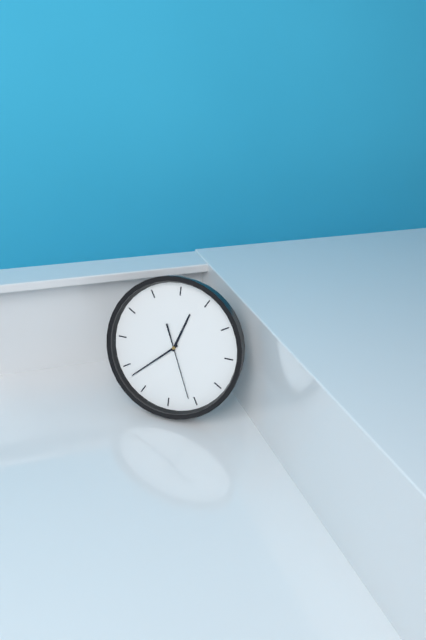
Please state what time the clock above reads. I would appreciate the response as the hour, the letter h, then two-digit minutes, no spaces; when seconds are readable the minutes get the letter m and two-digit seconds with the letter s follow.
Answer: 12h38m26s
